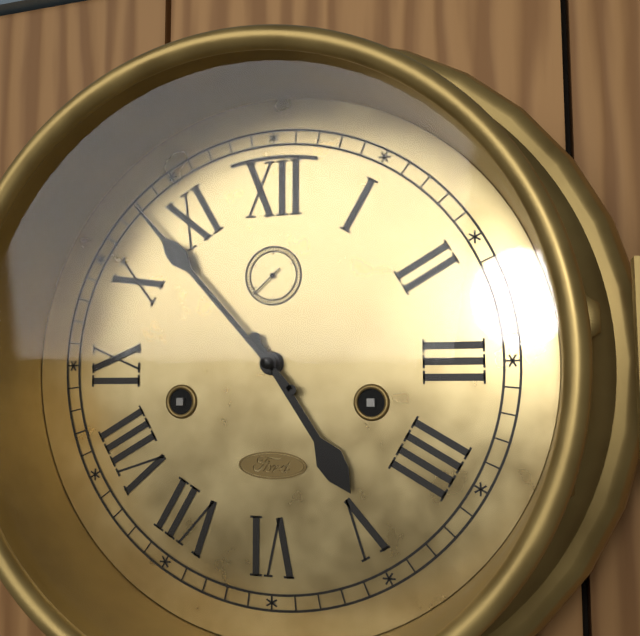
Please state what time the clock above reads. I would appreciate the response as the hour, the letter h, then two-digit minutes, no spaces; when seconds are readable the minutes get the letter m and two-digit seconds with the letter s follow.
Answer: 4h53
